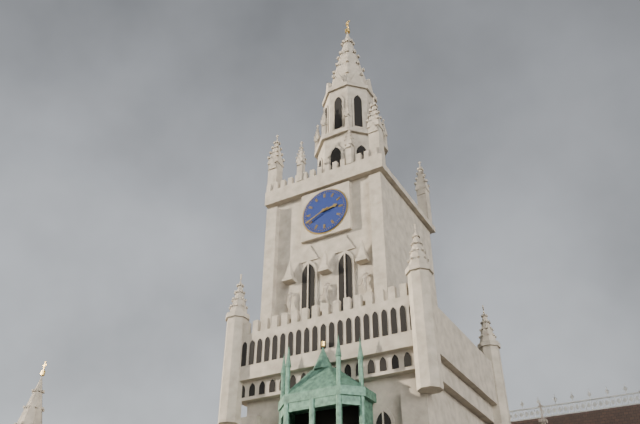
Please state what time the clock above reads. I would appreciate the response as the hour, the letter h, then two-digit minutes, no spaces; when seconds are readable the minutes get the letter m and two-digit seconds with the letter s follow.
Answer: 2h41
